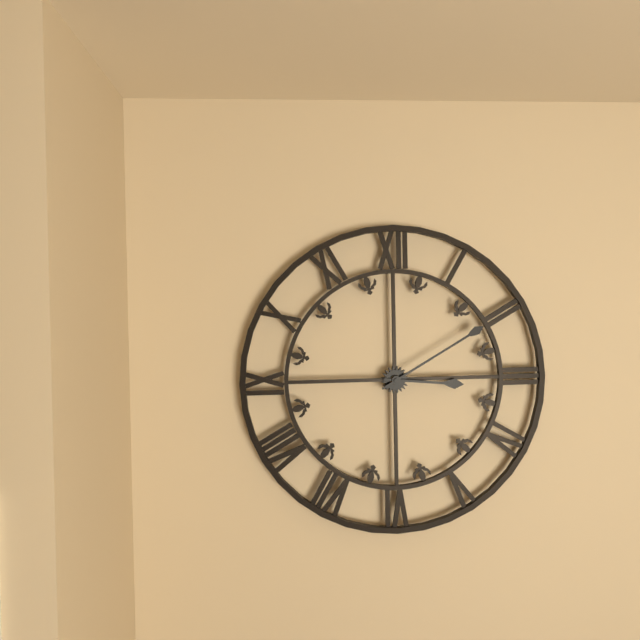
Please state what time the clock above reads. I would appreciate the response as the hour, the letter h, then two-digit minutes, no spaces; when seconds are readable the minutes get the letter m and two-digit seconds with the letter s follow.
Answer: 3h10
